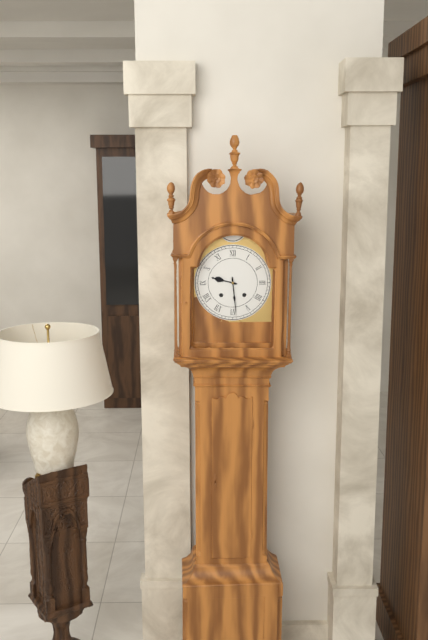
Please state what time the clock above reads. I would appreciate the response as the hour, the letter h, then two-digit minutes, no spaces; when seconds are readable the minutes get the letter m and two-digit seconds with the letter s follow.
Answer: 9h29
